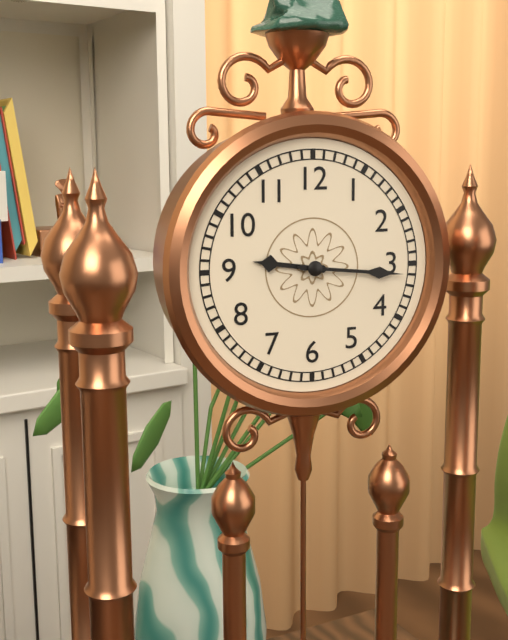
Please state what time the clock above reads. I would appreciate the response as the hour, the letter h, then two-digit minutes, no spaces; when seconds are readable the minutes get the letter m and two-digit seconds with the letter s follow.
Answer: 9h16
